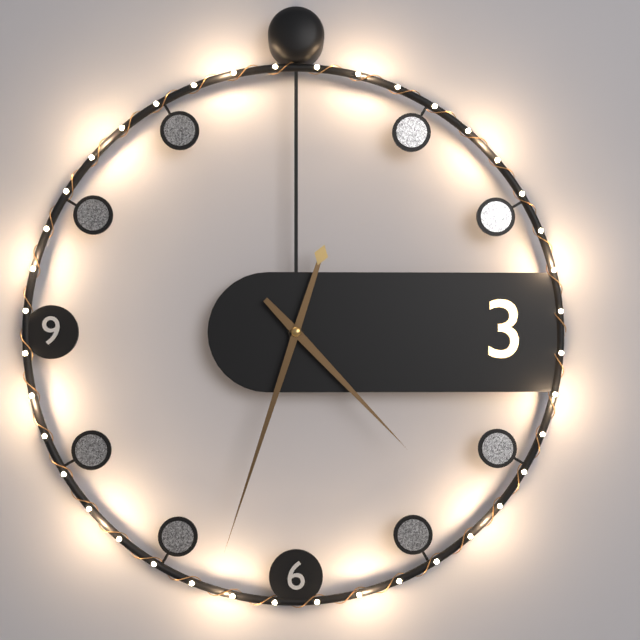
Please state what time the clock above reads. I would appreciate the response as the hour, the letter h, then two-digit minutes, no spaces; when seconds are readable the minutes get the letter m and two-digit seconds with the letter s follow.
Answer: 4h33
